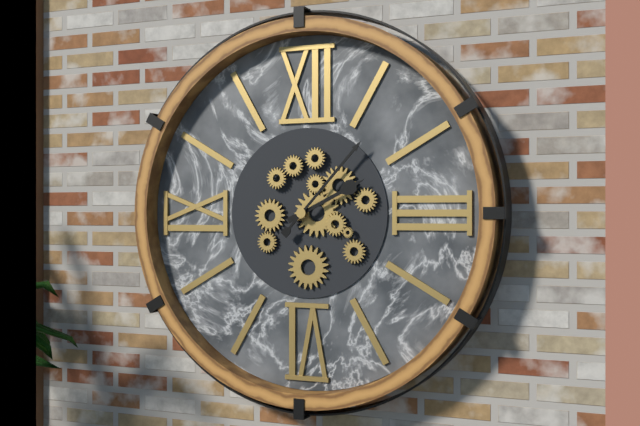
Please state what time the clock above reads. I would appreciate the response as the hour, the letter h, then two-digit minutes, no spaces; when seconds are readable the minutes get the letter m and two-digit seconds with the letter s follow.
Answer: 2h07
